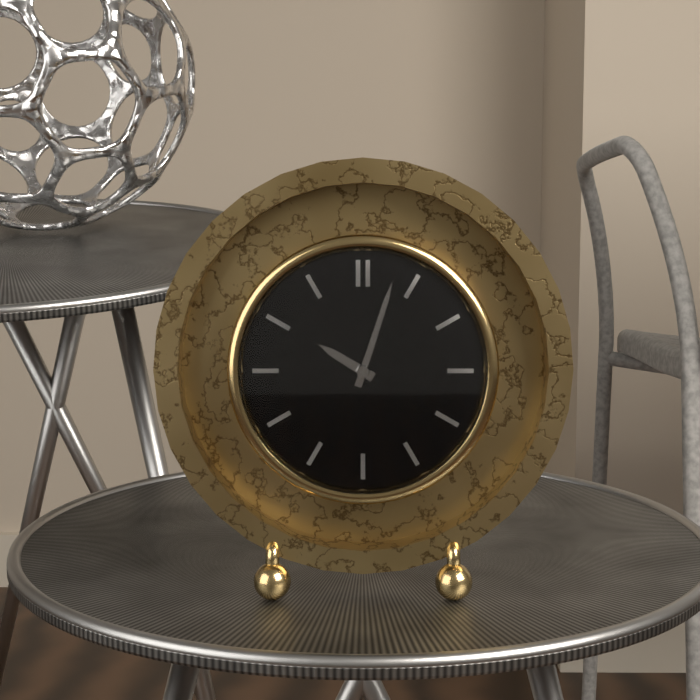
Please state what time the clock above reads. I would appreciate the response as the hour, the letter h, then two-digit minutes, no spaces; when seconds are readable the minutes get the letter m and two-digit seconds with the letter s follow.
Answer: 10h03
